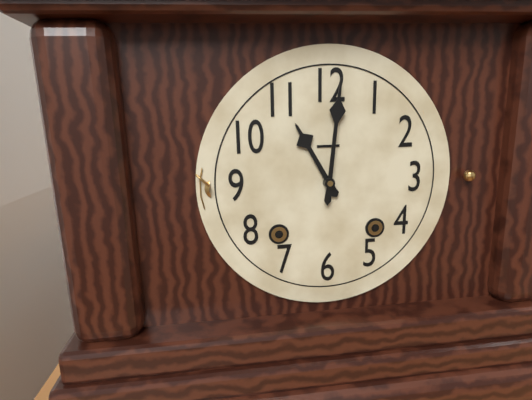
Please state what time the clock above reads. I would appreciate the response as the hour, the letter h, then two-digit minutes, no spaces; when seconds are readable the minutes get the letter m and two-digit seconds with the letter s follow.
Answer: 11h01
